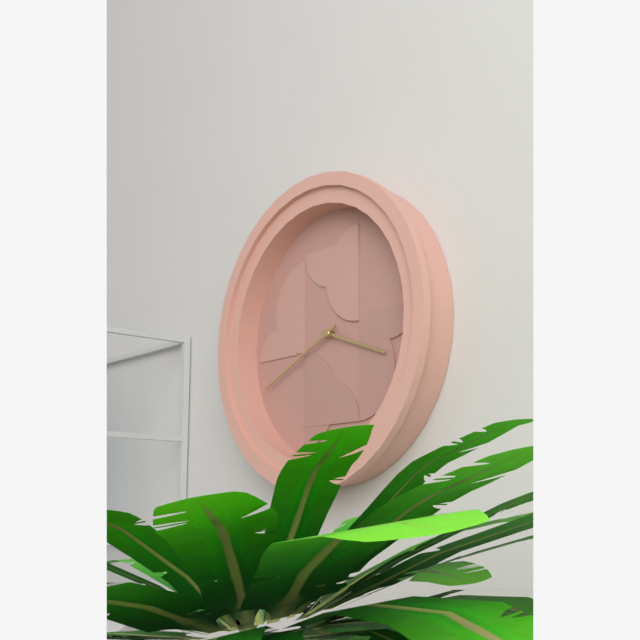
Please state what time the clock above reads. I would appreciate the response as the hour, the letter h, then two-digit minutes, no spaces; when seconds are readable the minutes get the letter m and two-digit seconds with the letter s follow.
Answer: 3h41
